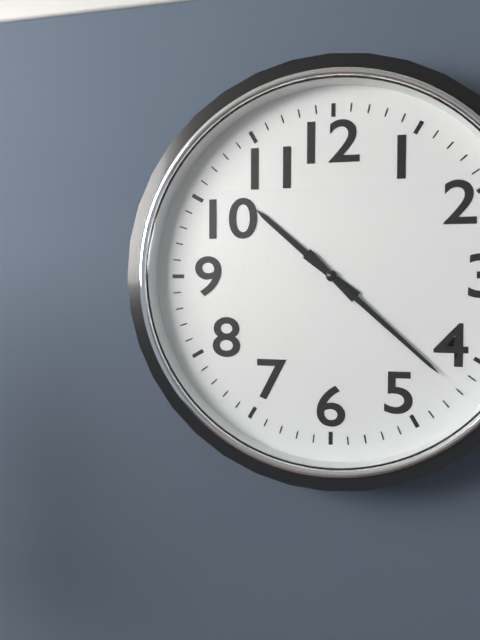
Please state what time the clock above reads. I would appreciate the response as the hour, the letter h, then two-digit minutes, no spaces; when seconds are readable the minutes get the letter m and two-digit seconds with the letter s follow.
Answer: 10h22
